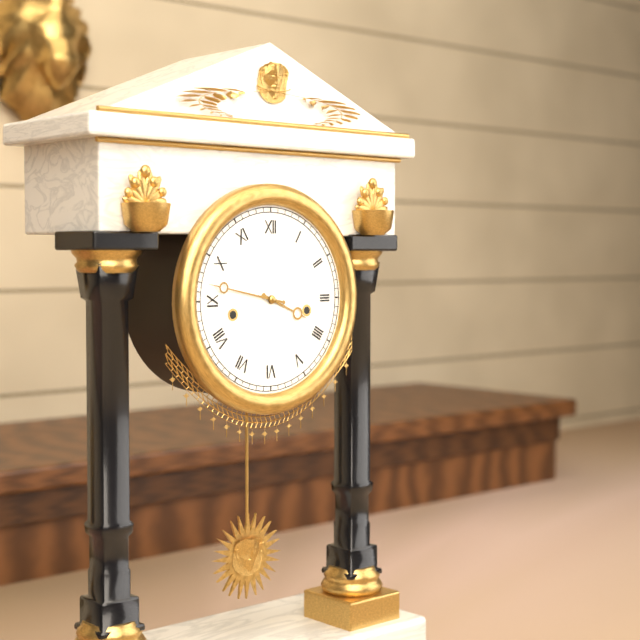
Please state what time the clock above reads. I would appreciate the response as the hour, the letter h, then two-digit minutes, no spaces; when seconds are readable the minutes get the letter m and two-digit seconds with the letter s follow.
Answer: 3h47
